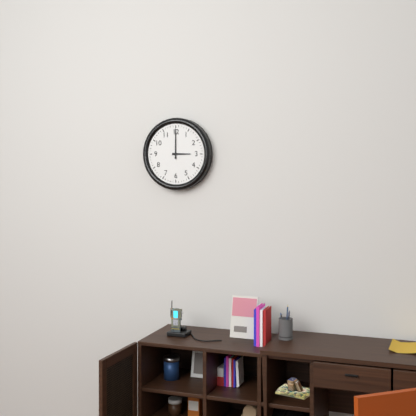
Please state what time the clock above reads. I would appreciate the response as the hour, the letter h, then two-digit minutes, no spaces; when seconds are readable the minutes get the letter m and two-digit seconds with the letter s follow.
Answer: 3h00
